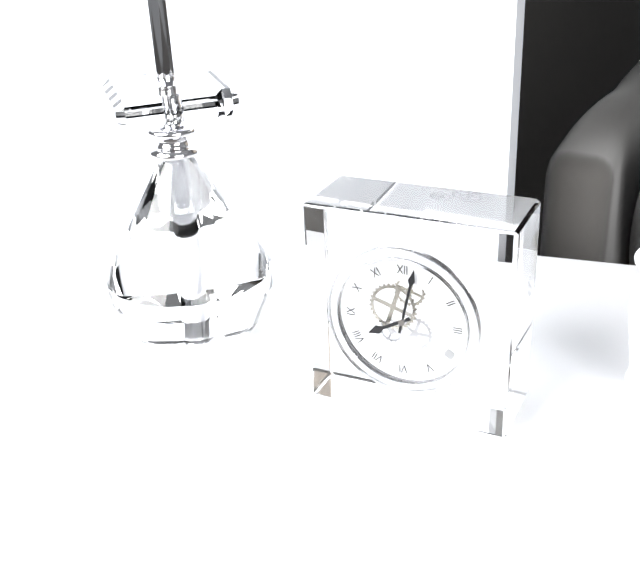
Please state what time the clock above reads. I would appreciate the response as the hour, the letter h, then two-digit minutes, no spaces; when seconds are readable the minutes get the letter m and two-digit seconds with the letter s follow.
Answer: 8h02
